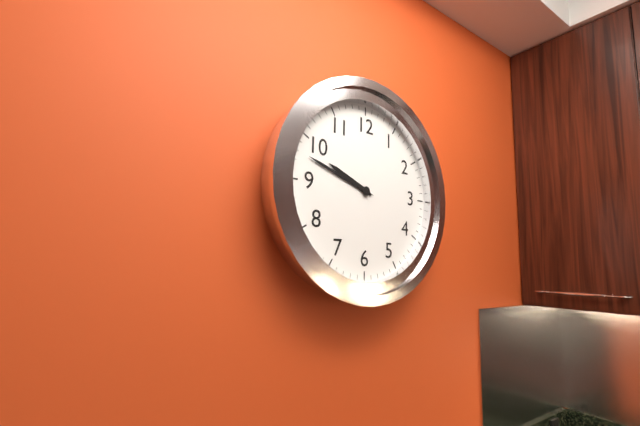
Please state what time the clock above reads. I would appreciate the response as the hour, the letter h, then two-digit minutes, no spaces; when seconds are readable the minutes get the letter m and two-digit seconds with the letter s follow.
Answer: 9h48
